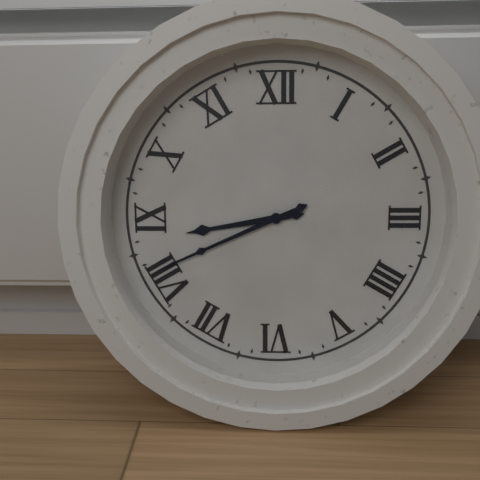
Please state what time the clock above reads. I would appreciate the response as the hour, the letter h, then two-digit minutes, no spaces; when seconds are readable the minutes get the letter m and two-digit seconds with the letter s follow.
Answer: 8h41
